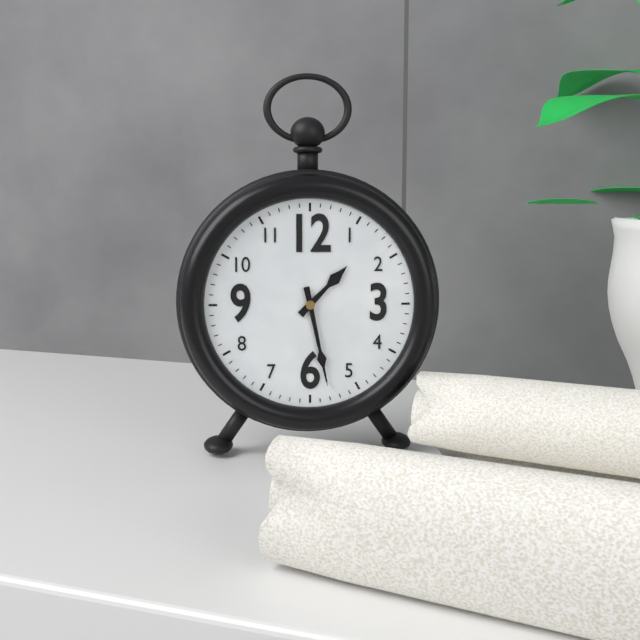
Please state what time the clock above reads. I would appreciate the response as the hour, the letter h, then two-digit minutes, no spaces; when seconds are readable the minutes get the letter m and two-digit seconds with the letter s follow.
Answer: 1h28
